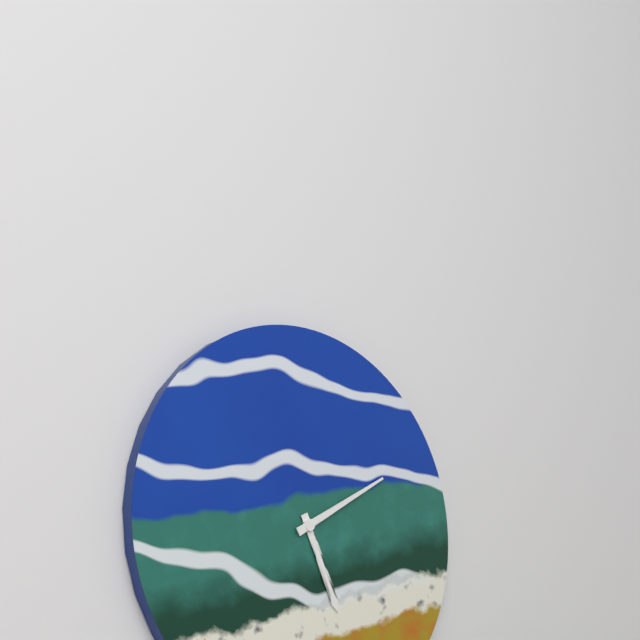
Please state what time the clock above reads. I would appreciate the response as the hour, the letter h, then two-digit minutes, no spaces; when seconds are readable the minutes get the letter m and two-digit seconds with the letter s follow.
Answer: 5h10
